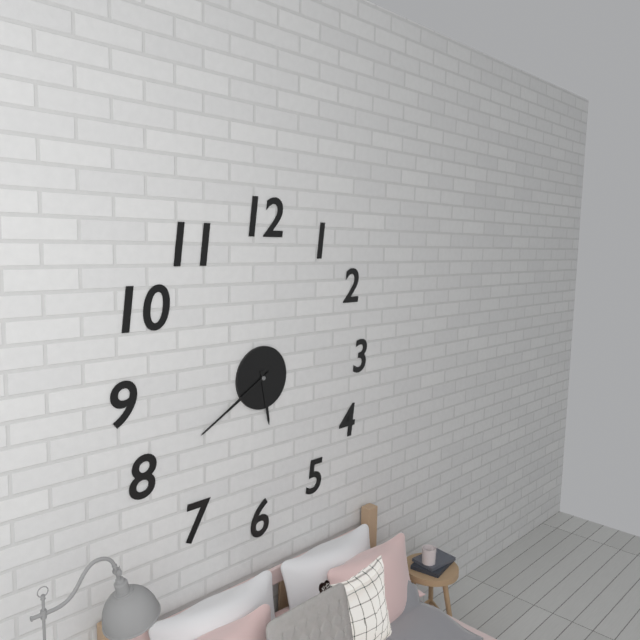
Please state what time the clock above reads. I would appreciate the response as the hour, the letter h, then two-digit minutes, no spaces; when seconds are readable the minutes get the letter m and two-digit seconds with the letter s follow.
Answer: 5h40
